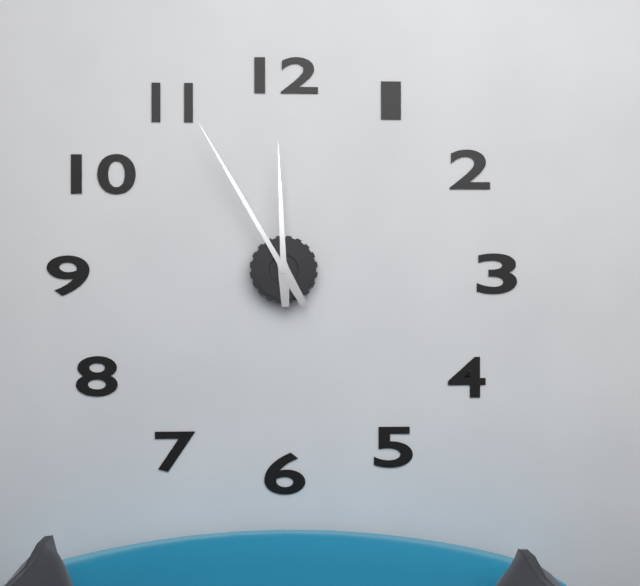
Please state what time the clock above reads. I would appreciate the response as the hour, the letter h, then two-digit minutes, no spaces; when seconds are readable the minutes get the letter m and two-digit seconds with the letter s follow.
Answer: 11h55
